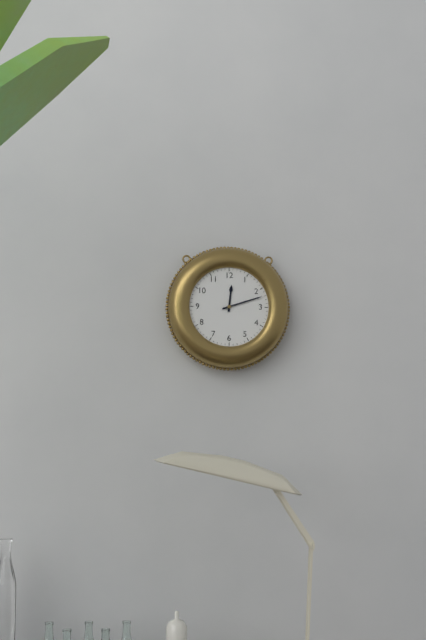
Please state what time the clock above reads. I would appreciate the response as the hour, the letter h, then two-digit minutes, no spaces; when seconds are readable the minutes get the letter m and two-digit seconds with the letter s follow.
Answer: 12h12
